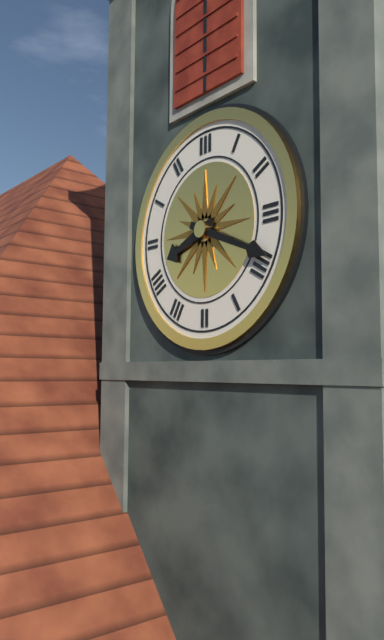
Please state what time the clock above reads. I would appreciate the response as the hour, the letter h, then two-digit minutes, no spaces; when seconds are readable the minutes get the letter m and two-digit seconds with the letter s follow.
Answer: 8h19
